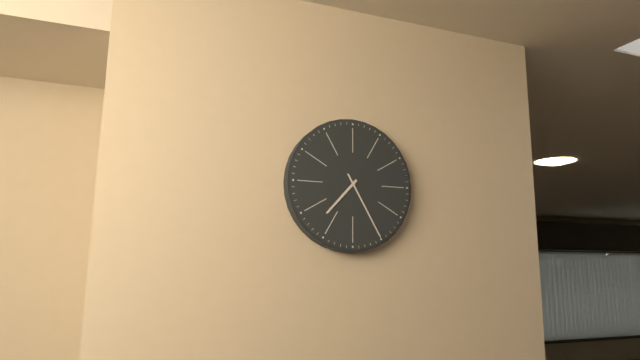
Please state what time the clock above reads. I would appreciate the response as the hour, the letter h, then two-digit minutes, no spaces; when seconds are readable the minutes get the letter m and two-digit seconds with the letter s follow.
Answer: 7h25
